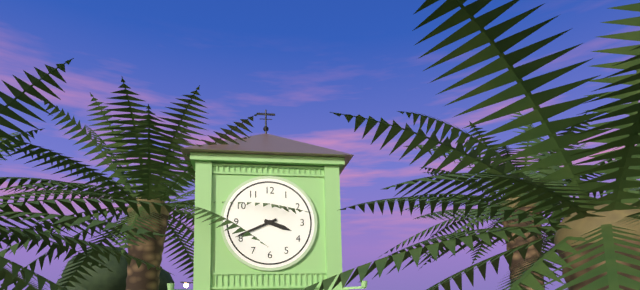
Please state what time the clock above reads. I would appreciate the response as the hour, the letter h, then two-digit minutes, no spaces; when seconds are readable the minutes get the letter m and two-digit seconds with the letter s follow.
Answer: 3h41
